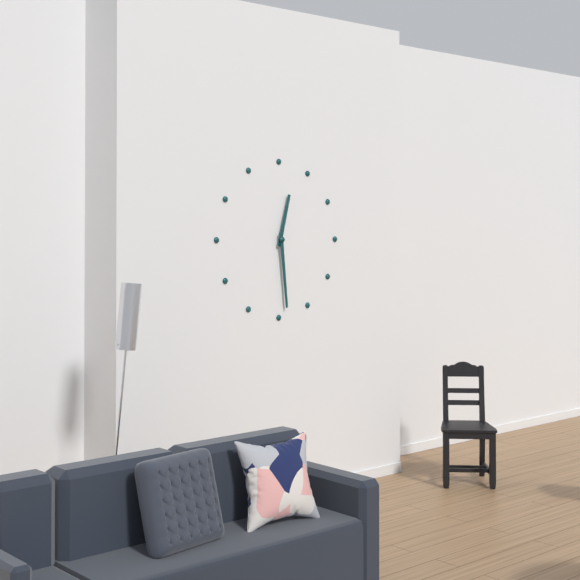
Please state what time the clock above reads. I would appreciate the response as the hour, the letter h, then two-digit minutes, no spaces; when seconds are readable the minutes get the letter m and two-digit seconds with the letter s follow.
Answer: 12h29
